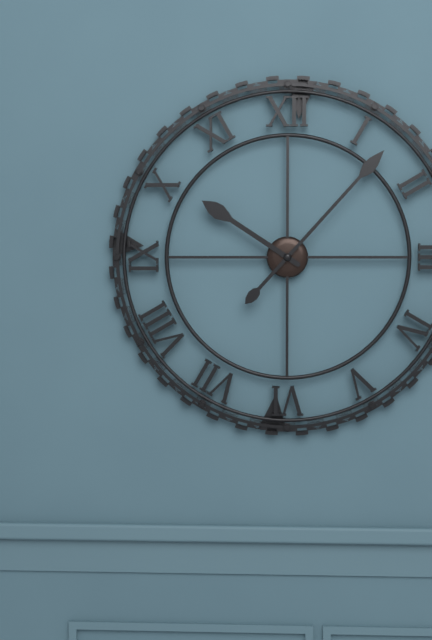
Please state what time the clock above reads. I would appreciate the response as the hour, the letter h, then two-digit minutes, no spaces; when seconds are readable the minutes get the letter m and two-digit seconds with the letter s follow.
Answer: 10h07
